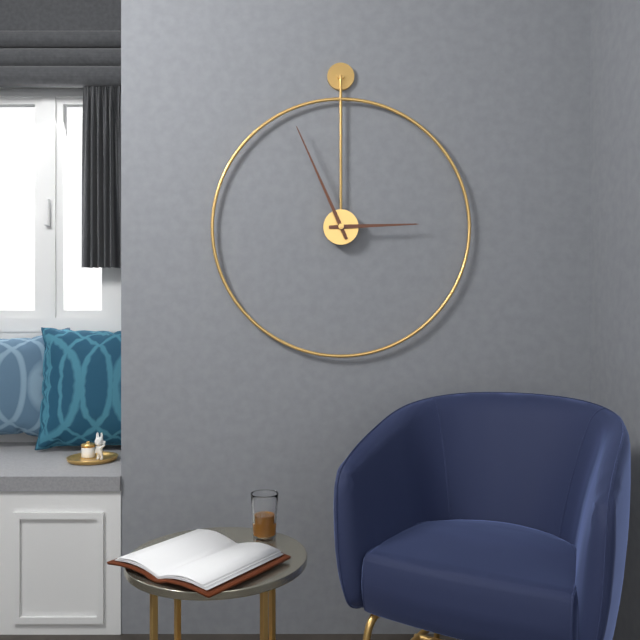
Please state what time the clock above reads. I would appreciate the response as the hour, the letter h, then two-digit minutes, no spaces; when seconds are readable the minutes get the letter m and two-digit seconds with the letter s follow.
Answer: 2h56
